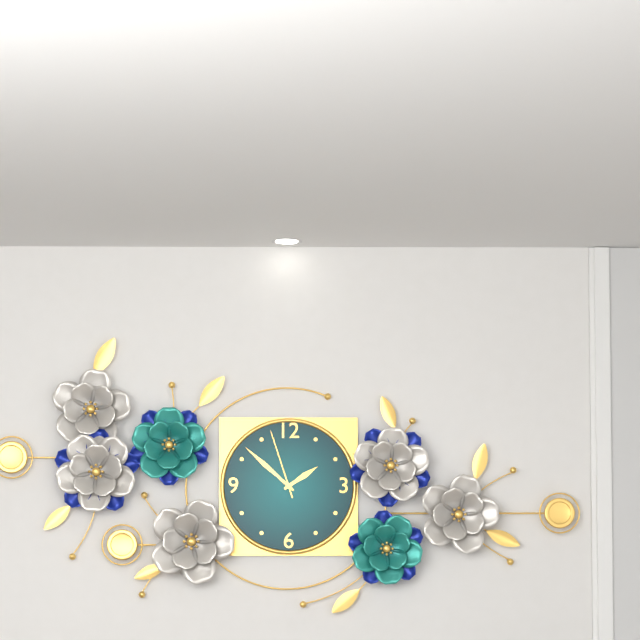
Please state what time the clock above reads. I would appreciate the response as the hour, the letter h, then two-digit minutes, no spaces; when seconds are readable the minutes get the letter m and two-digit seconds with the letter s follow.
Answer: 1h52m57s
